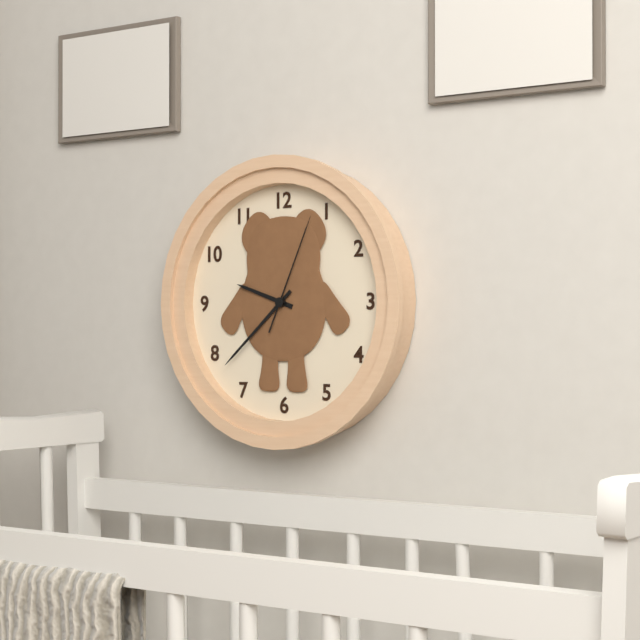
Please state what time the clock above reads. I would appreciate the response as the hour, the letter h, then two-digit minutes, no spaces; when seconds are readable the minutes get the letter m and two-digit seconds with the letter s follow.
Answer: 9h38m04s
